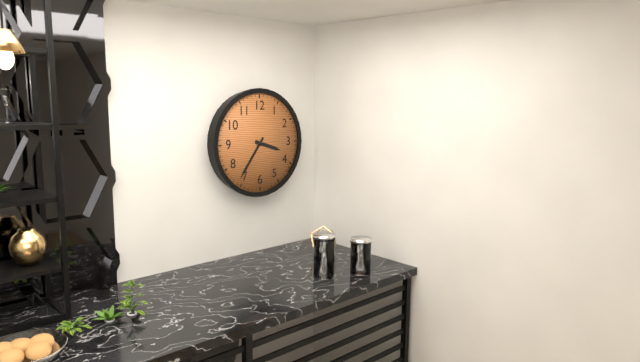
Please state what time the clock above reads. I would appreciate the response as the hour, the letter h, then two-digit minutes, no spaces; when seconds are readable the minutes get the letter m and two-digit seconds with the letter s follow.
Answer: 3h36
